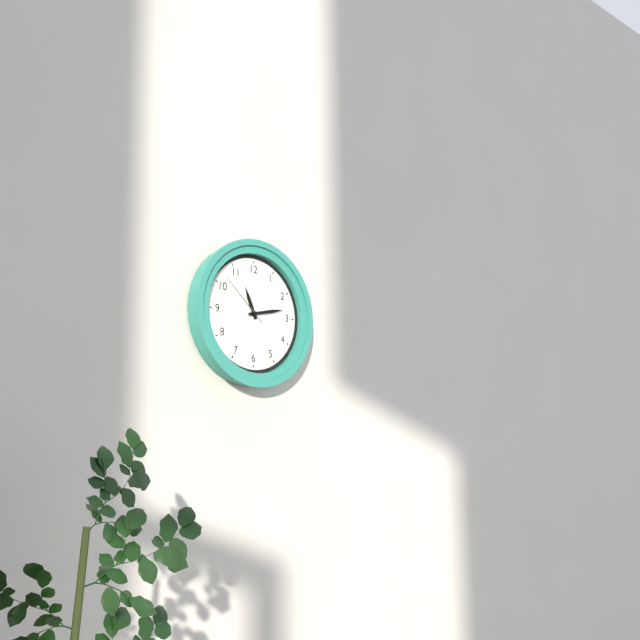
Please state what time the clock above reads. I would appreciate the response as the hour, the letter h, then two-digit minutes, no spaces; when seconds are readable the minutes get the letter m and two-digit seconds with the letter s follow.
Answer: 11h13m52s
